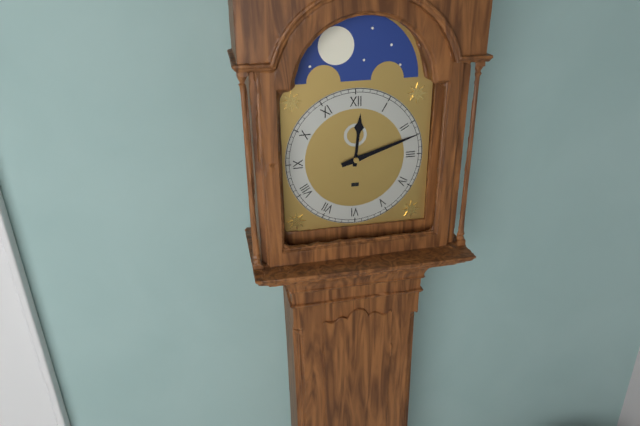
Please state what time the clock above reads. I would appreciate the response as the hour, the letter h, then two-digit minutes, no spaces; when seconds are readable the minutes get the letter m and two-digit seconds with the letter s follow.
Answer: 12h12
